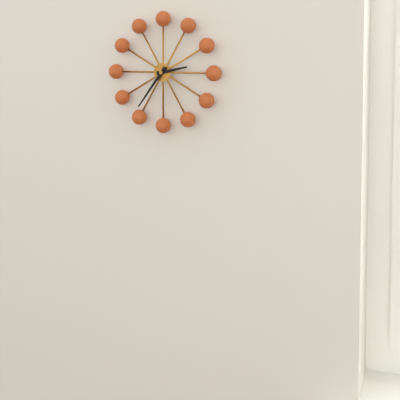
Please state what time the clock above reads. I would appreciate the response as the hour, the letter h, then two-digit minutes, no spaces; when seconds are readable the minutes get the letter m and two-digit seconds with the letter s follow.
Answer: 2h36
